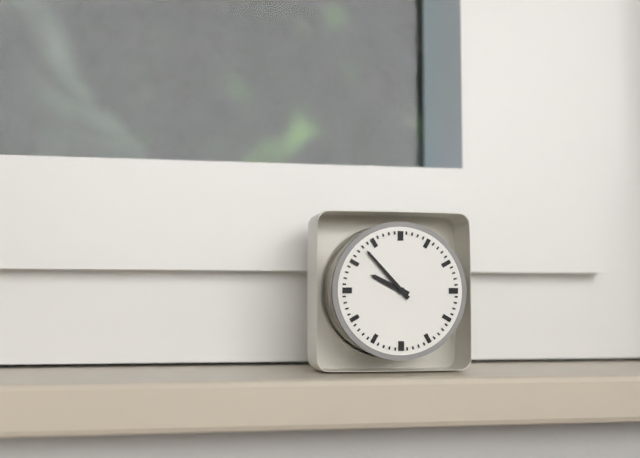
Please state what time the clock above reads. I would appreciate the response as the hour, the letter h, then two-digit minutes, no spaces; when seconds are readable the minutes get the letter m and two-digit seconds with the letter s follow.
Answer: 9h53
